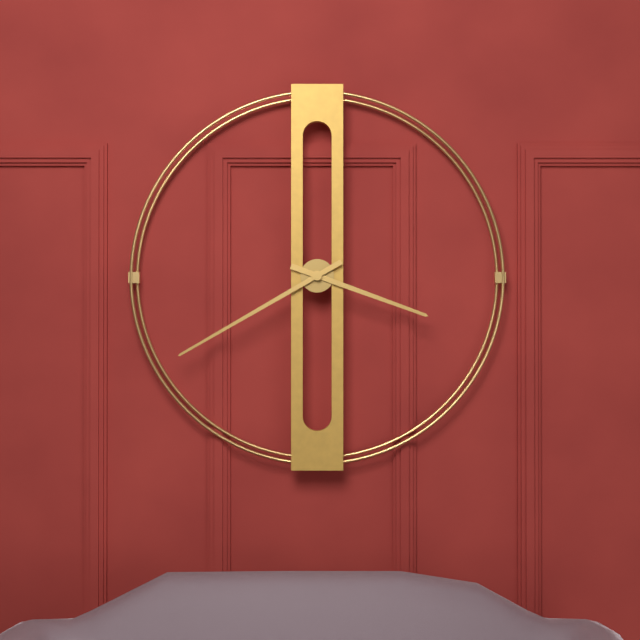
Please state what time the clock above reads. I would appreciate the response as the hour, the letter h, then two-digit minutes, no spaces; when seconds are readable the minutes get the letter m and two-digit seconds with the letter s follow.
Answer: 3h40
